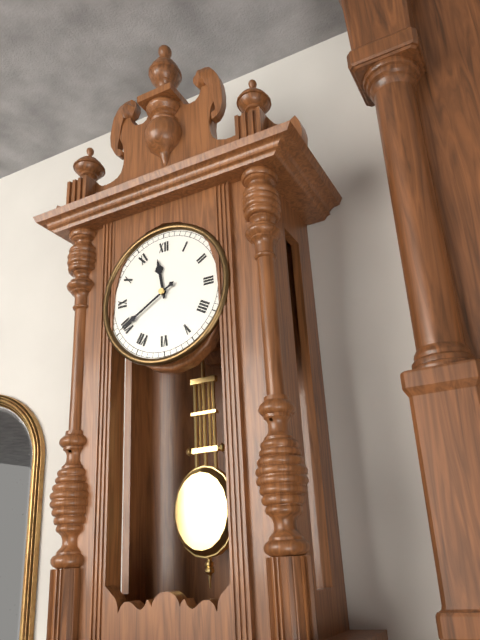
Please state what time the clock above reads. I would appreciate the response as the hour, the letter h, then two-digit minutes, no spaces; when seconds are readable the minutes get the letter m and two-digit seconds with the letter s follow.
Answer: 11h40
